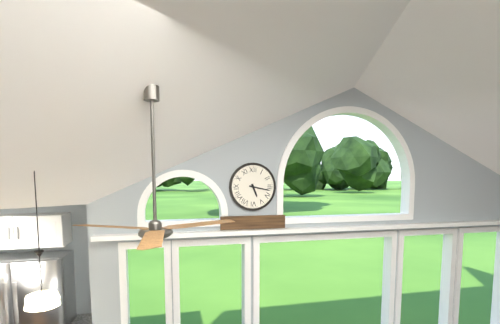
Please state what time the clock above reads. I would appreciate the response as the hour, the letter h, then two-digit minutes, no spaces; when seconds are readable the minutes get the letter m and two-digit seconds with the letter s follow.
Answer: 5h17
